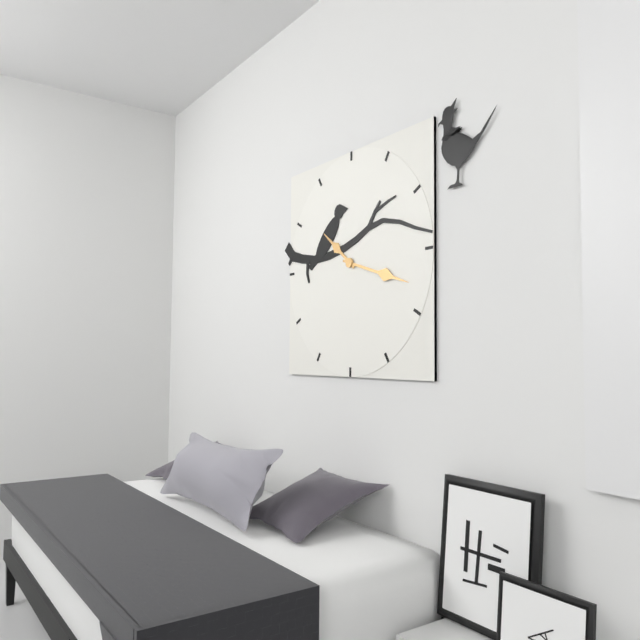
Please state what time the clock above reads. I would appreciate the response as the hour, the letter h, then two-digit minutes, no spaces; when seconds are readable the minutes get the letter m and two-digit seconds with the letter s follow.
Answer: 10h18
